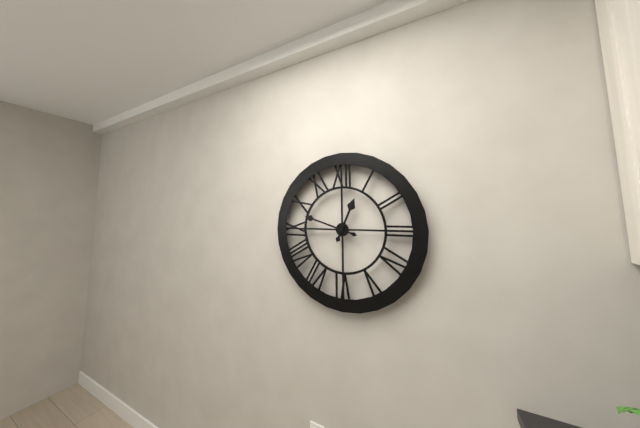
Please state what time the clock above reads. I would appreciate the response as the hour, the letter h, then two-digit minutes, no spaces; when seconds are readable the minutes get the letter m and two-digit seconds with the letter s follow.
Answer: 12h48
